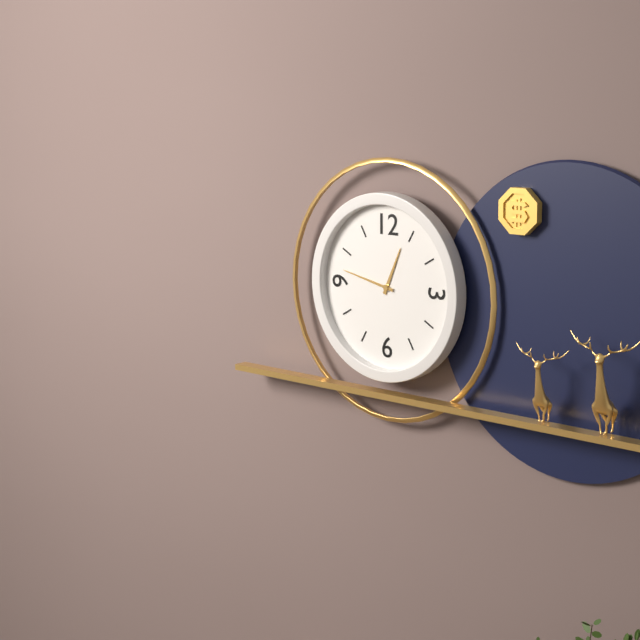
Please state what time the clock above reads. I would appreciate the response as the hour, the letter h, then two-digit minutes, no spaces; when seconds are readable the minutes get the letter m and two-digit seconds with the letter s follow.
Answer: 12h47
